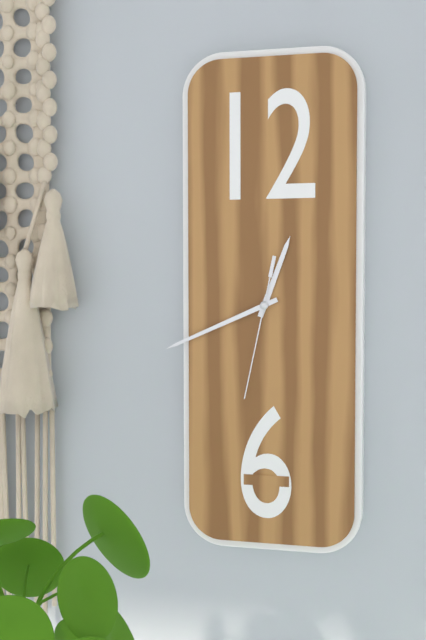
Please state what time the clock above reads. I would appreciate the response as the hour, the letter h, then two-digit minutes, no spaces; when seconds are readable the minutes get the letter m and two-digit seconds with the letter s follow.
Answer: 12h41m32s
